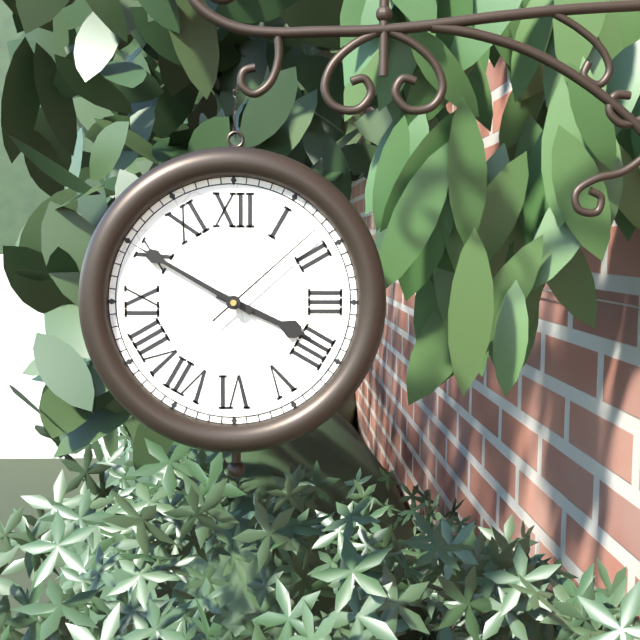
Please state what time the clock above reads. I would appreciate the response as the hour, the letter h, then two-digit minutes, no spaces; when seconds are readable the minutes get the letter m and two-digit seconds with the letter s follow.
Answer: 3h50m08s
